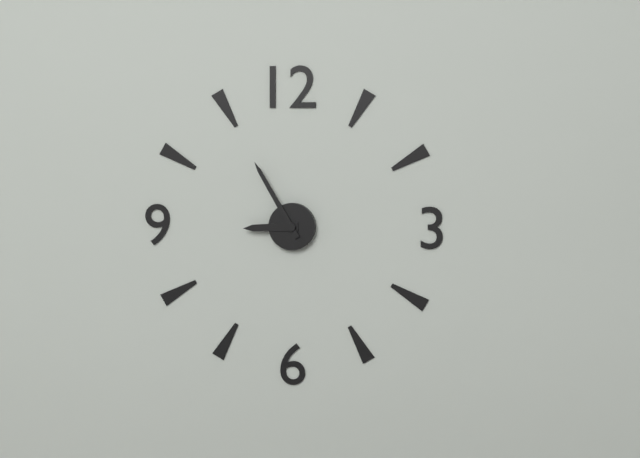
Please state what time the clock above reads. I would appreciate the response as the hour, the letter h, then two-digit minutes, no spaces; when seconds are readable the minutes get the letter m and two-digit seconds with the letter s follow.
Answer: 8h55
